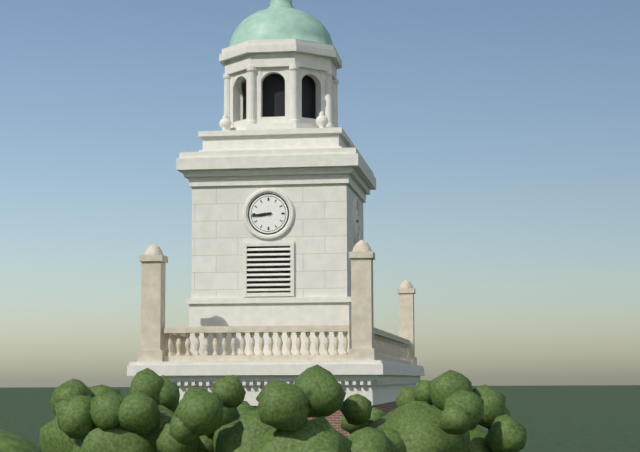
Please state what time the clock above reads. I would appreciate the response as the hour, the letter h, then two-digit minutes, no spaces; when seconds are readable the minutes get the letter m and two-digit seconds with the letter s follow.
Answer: 8h44
